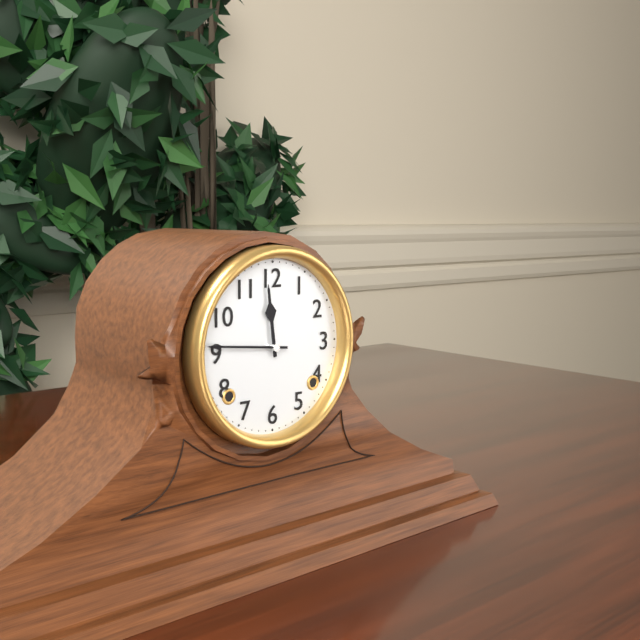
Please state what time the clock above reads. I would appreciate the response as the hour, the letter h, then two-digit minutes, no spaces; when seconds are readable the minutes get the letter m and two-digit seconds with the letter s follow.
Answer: 11h46
